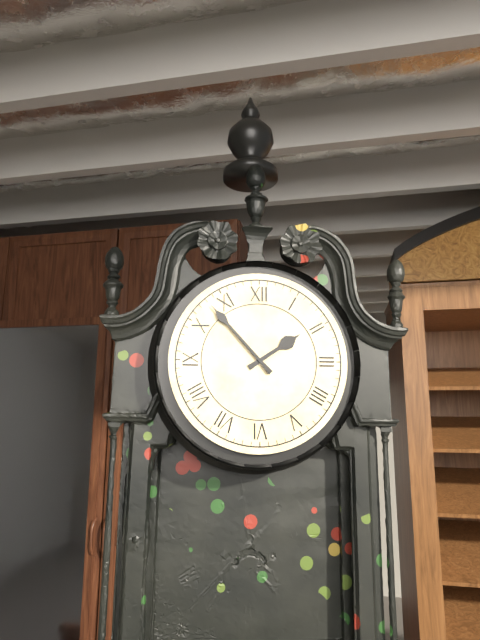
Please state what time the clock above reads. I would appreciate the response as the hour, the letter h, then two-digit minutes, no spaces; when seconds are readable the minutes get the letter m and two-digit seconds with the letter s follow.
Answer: 1h53
